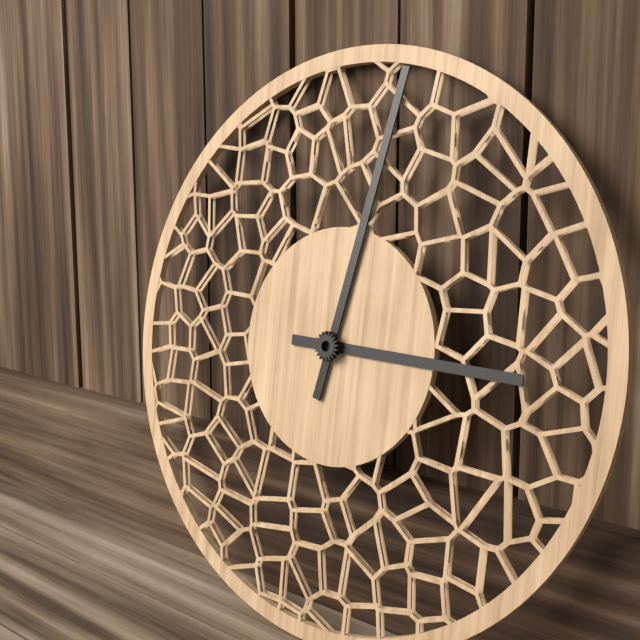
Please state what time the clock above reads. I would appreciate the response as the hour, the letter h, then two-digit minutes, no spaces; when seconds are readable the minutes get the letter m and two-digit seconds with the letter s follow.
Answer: 3h02
